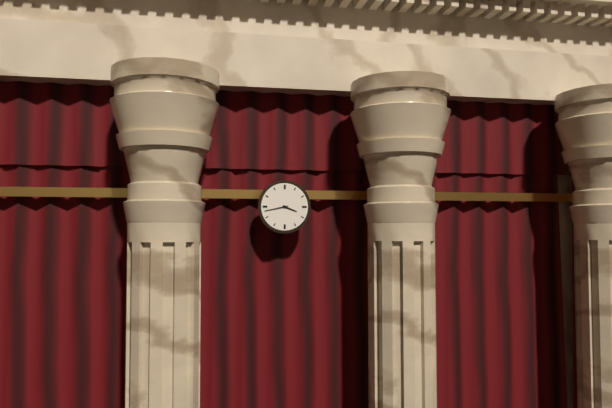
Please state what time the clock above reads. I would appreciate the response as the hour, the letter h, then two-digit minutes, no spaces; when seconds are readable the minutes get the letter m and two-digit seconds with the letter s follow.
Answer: 3h43
